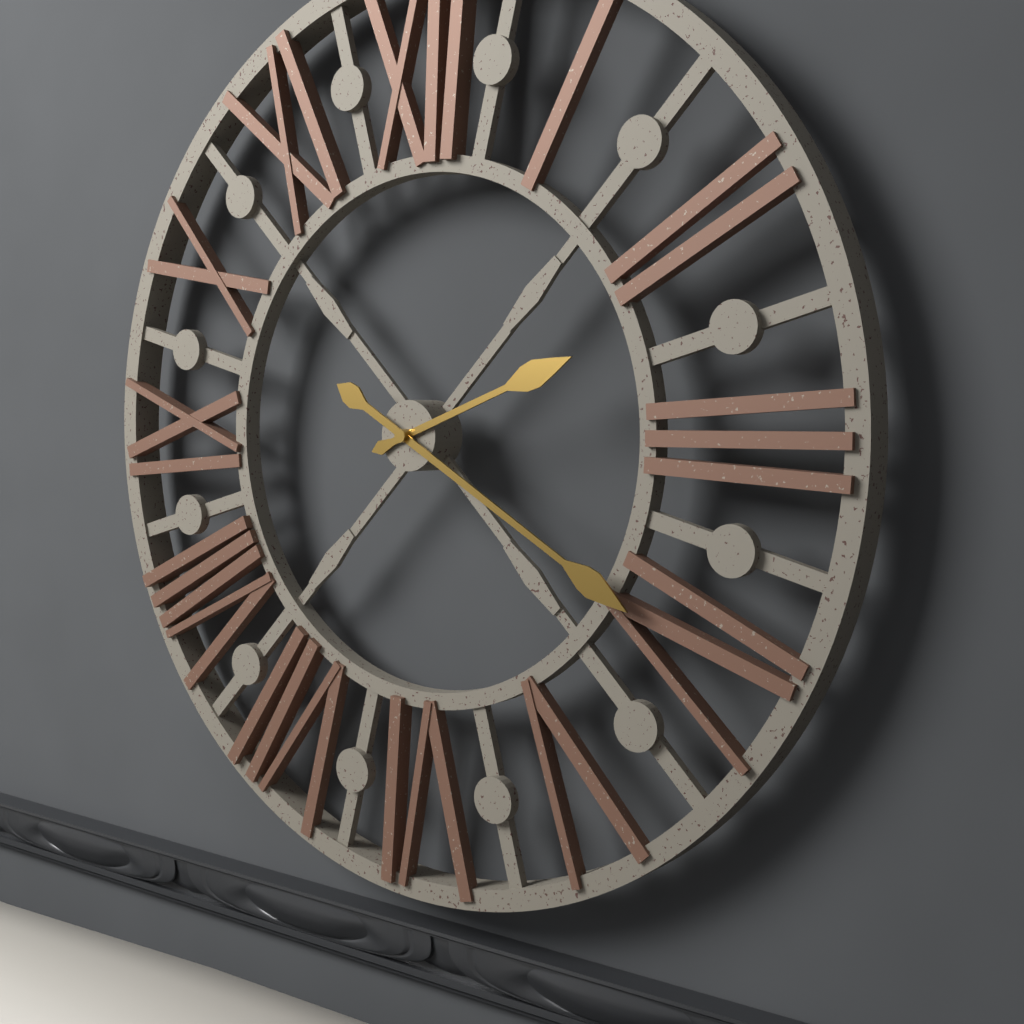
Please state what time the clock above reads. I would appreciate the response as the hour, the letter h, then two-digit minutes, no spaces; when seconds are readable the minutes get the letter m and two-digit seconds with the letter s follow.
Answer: 2h20
